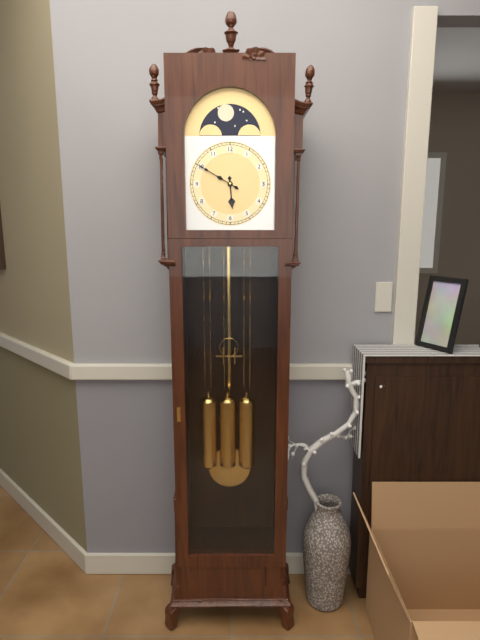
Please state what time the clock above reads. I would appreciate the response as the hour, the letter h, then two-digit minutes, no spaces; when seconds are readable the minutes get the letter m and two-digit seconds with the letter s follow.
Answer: 5h50
